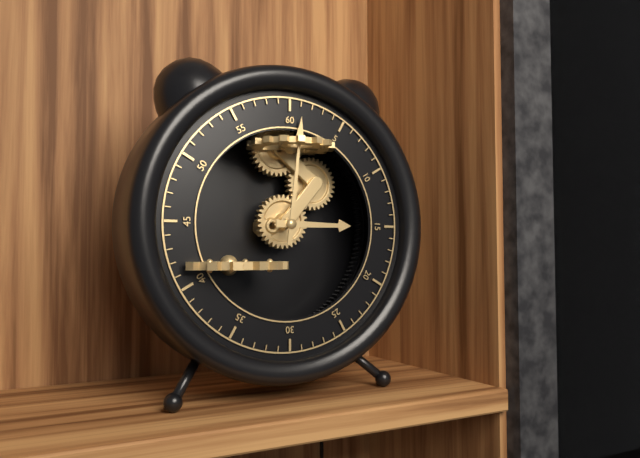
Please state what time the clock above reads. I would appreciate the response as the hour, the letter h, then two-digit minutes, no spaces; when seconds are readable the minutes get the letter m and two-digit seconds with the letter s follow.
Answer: 3h01
